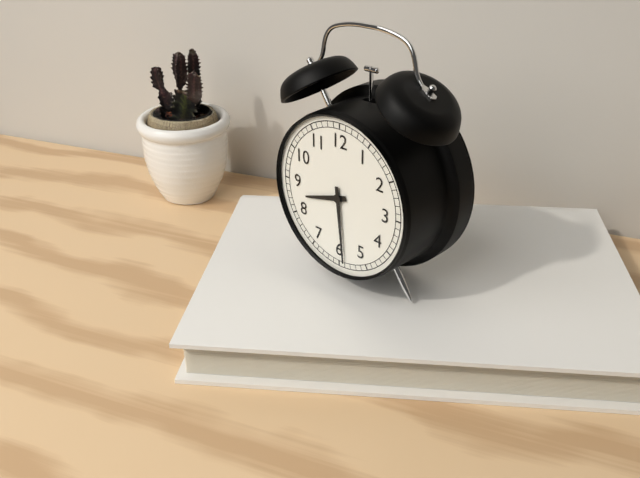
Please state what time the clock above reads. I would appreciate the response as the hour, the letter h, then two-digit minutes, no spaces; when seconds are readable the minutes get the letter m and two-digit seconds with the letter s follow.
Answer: 8h29
